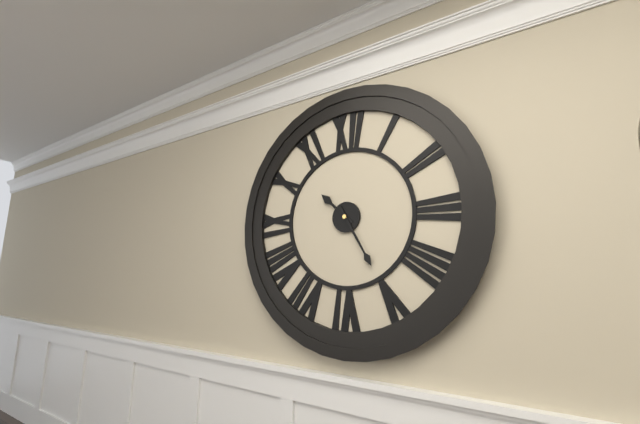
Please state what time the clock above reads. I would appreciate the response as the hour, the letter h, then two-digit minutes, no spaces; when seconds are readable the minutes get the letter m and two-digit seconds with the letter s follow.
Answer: 10h25
